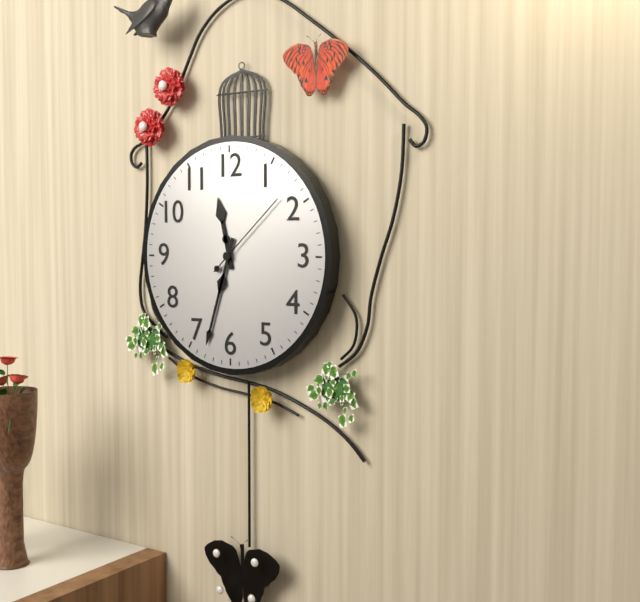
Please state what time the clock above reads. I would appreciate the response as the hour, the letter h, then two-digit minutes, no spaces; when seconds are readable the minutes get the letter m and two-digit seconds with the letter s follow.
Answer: 11h33m08s
